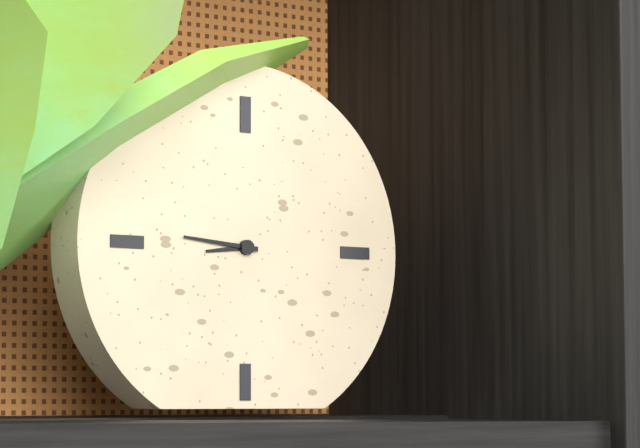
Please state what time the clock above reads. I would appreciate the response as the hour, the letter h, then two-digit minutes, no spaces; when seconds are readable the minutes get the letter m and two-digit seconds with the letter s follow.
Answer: 8h46
